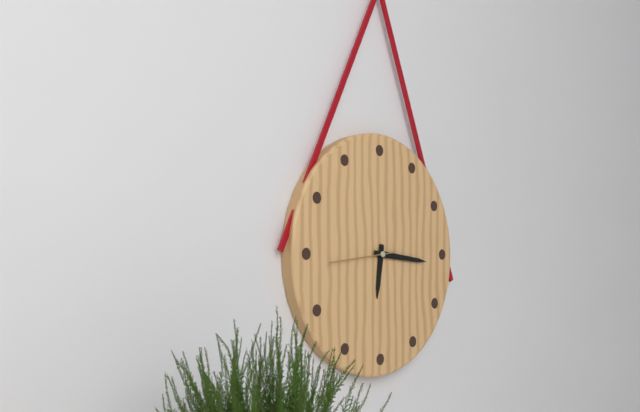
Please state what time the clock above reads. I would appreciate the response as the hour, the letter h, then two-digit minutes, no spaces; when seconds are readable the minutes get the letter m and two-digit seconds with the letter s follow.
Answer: 6h16m44s
